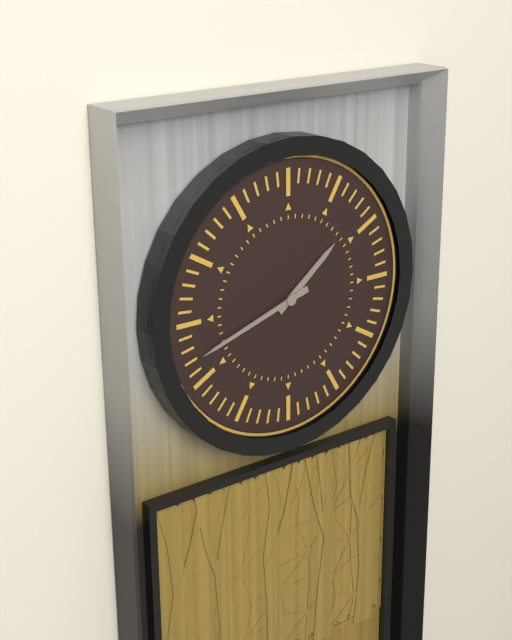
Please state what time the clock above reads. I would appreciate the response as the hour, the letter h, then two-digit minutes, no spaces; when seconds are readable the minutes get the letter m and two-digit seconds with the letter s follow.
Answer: 1h42
